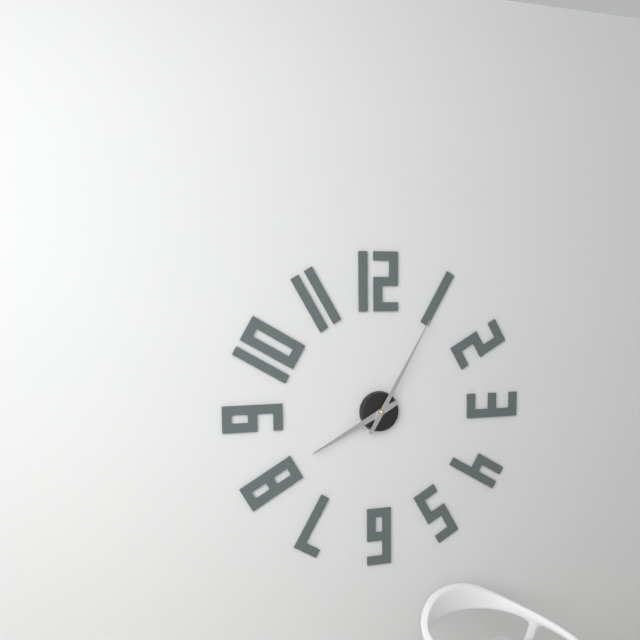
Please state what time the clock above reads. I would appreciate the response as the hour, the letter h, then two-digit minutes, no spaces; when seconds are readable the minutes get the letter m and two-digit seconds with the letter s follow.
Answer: 8h05
